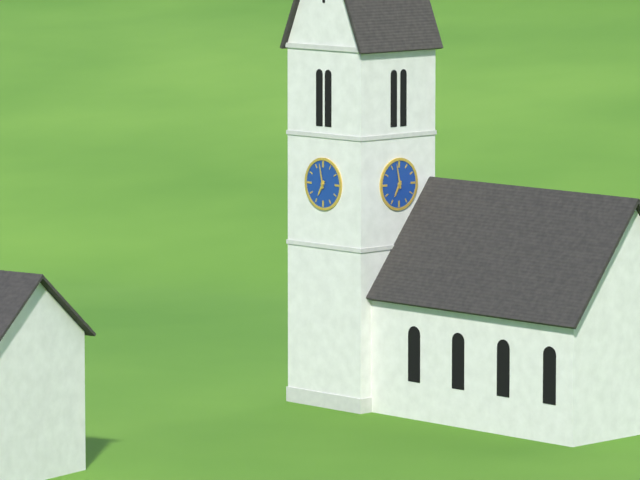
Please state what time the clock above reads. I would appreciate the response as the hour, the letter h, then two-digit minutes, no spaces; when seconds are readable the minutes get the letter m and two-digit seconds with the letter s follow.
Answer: 6h58
